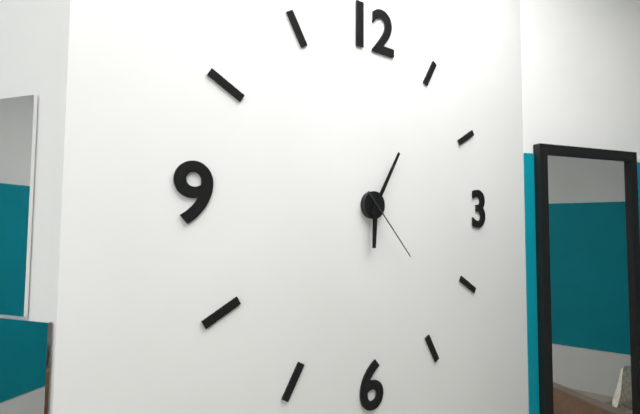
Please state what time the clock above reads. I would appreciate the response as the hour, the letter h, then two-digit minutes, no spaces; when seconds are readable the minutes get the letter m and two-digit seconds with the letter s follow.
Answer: 6h05m23s
